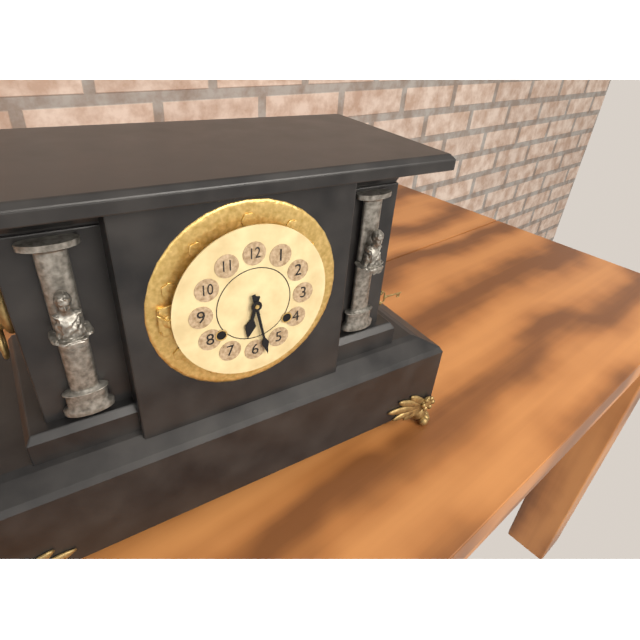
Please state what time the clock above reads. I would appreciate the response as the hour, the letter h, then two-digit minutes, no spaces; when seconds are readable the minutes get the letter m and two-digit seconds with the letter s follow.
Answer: 6h28
